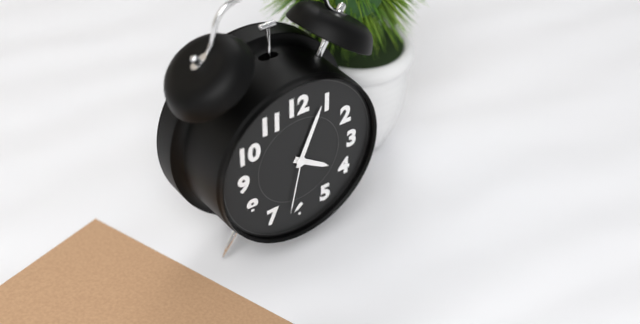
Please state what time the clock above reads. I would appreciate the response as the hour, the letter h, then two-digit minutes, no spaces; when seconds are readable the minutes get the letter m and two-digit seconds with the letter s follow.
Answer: 4h04m32s
